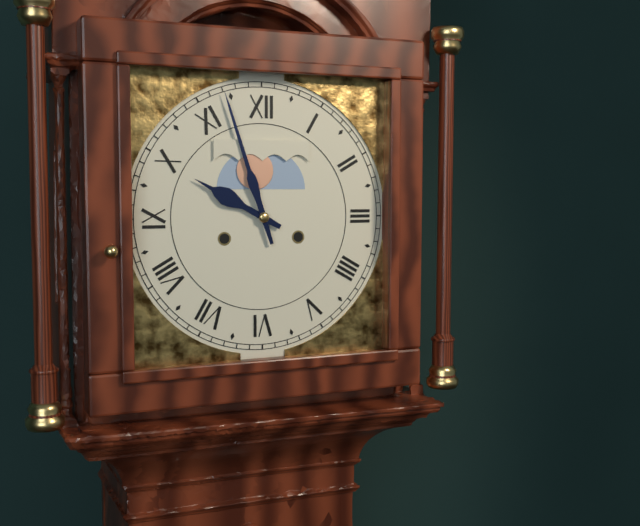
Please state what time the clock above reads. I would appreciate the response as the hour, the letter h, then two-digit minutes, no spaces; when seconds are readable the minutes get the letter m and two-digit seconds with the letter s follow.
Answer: 9h57
